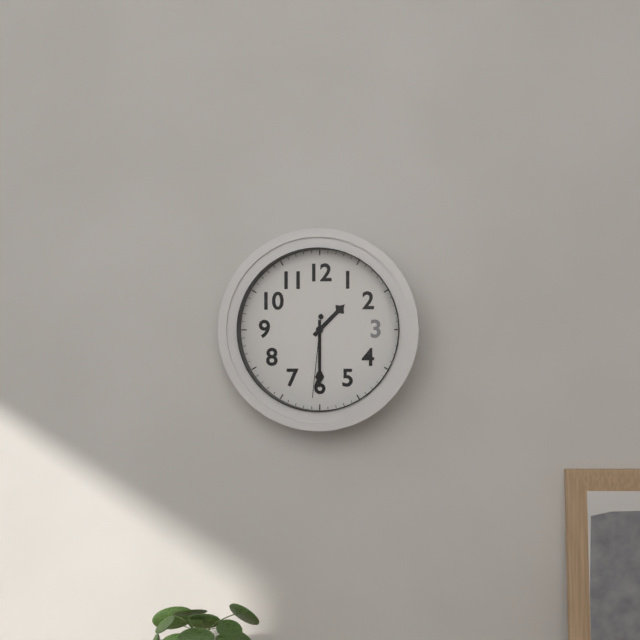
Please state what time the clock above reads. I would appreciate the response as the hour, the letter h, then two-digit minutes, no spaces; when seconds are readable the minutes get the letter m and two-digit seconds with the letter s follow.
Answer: 1h30m31s
